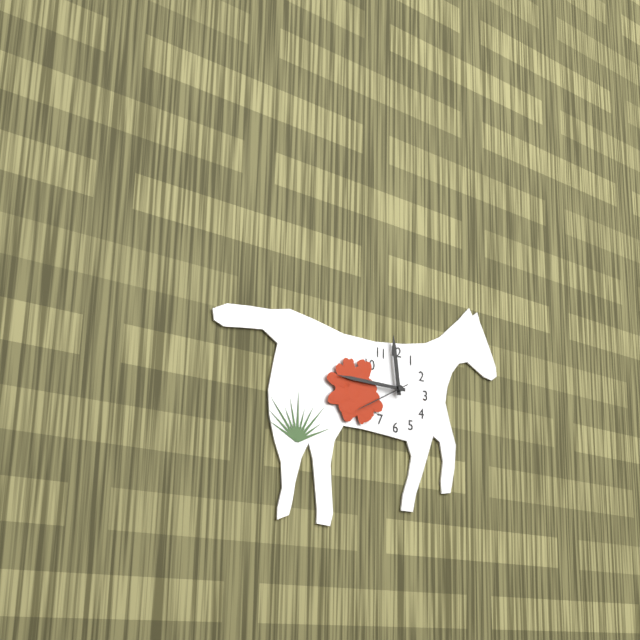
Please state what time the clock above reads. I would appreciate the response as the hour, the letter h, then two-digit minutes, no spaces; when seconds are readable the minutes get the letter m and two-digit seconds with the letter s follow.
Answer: 11h45m40s
